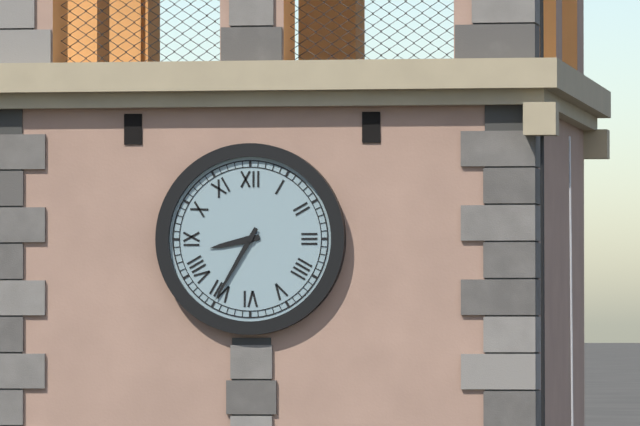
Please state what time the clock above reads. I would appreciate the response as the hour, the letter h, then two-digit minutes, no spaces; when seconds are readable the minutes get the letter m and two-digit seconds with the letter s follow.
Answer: 8h35
